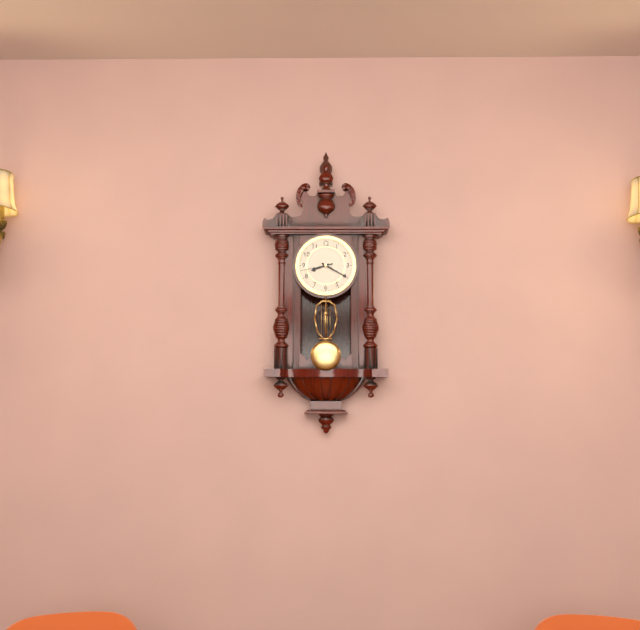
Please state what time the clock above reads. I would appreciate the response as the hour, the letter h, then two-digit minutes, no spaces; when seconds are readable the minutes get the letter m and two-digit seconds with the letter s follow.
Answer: 8h20
